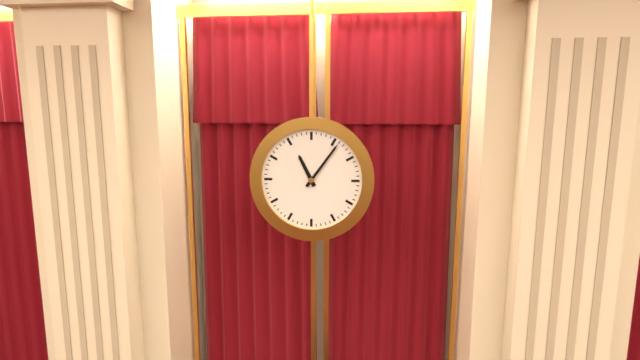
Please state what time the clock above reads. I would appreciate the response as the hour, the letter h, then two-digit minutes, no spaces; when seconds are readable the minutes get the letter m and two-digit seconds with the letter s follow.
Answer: 11h06
